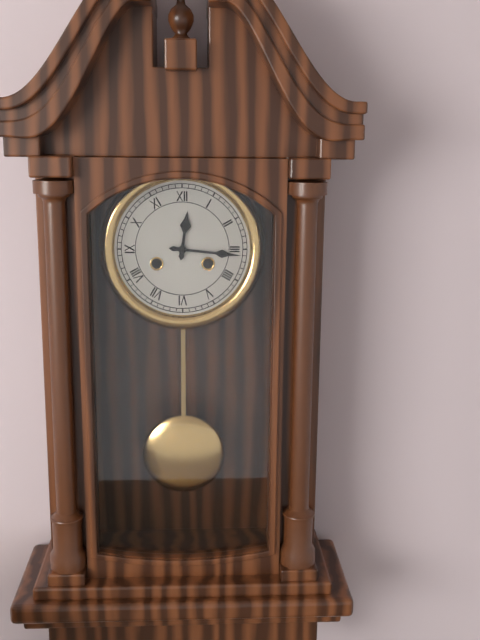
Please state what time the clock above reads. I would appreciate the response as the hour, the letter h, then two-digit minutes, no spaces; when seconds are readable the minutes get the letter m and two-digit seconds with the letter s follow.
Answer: 12h16
